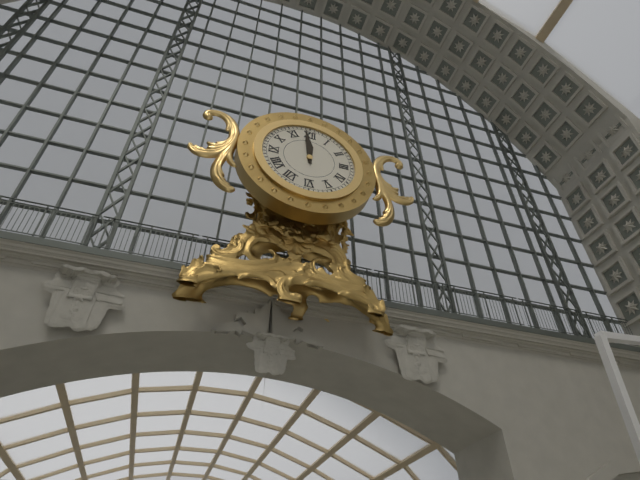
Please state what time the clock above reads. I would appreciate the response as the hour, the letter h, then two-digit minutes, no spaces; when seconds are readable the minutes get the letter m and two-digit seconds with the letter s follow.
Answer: 11h59
